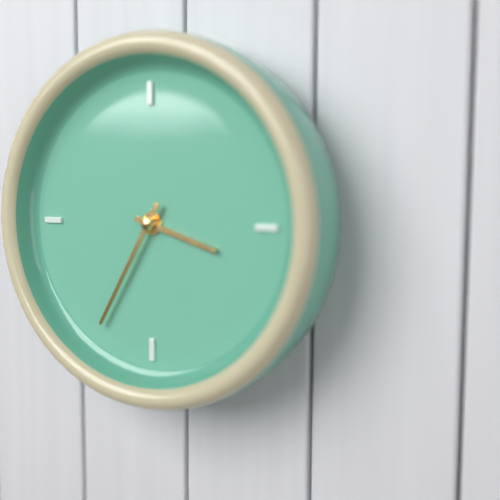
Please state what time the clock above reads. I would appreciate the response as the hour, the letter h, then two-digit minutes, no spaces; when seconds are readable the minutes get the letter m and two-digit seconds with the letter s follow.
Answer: 3h35
